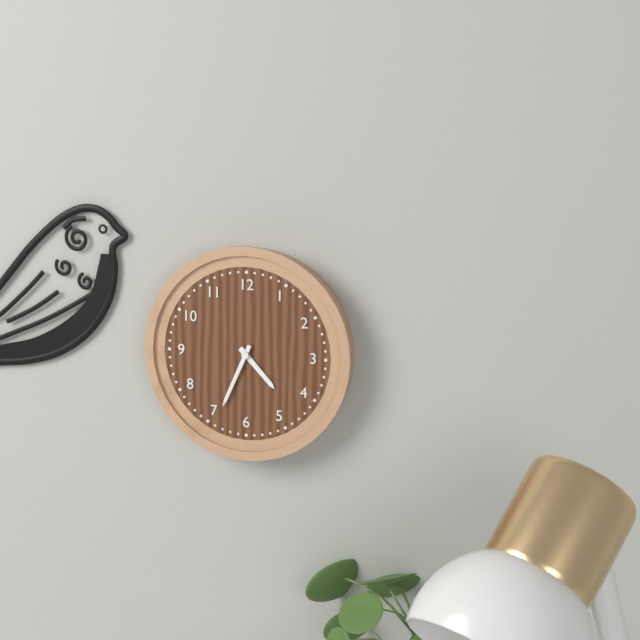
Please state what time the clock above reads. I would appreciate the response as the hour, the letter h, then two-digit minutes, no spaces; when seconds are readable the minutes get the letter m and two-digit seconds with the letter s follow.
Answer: 4h34
